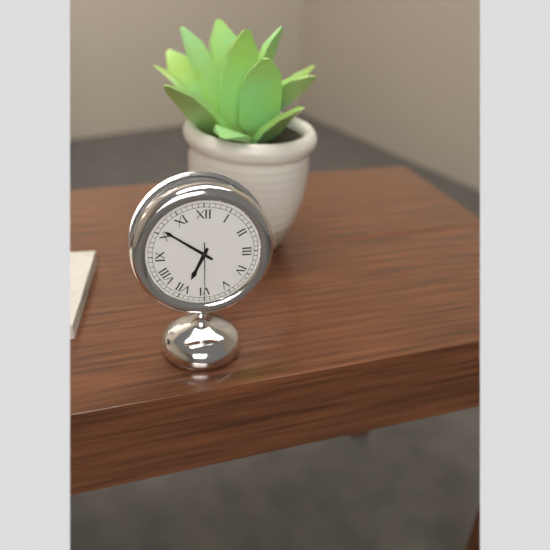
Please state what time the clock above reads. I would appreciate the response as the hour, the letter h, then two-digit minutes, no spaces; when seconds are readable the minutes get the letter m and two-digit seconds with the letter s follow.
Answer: 6h51m30s
